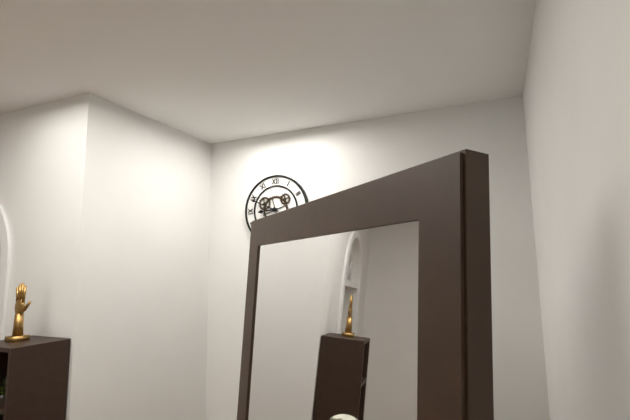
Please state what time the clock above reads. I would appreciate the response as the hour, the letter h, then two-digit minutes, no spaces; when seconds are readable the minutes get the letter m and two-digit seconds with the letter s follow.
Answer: 8h49
